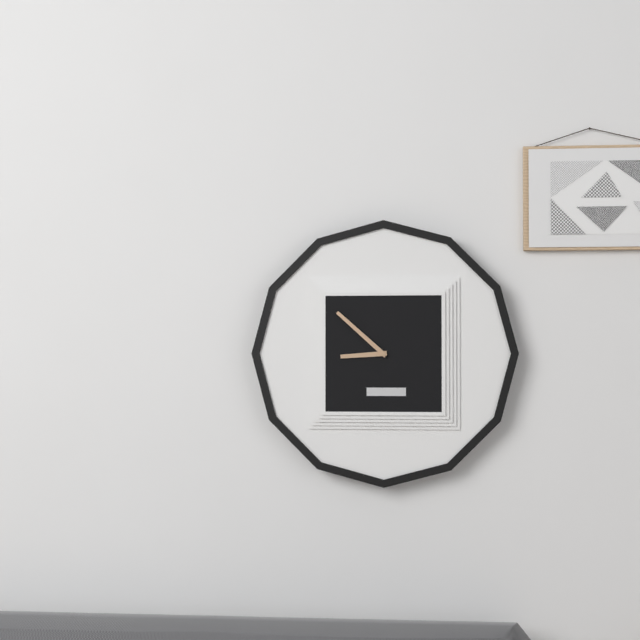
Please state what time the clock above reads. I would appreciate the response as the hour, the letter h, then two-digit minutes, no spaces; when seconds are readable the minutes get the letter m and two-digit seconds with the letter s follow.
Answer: 8h52
